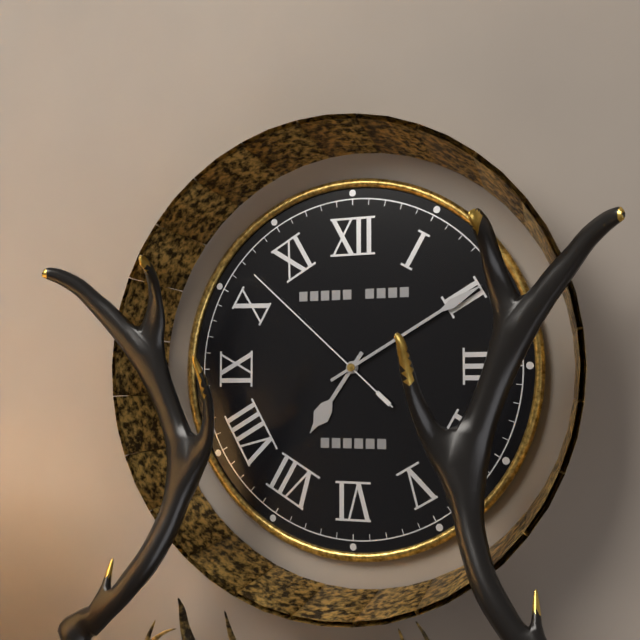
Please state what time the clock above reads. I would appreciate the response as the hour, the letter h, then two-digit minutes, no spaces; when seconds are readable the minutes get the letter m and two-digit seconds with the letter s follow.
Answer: 7h10m52s
